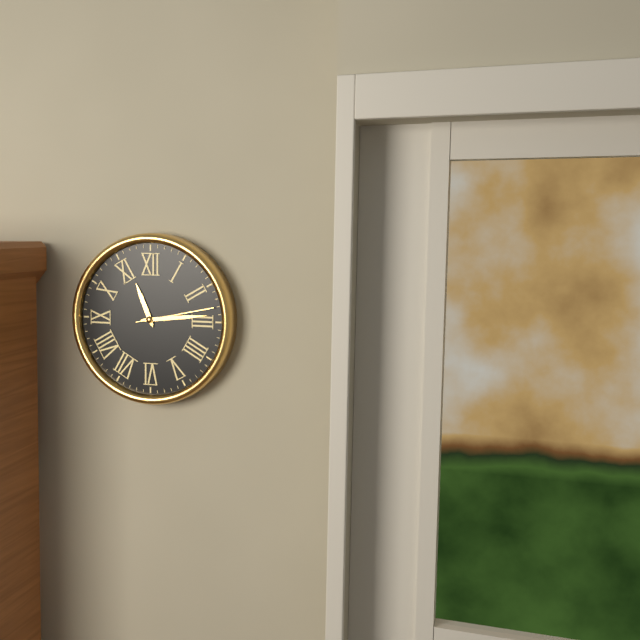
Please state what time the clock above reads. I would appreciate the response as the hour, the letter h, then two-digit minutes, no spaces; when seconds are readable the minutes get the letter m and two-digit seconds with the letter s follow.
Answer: 11h14m13s
